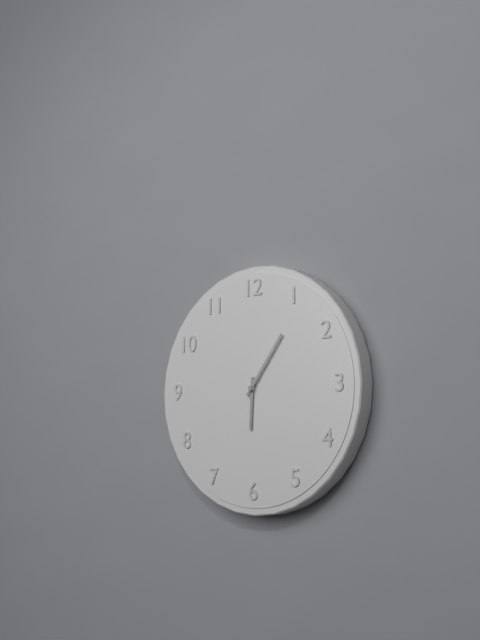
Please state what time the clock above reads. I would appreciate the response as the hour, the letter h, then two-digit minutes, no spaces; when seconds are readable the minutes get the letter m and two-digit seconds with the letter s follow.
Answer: 6h06
